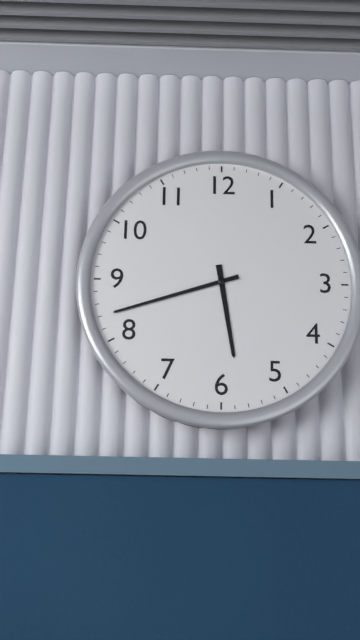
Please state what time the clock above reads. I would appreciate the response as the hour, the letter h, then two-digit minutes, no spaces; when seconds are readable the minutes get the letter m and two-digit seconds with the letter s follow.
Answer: 5h42
